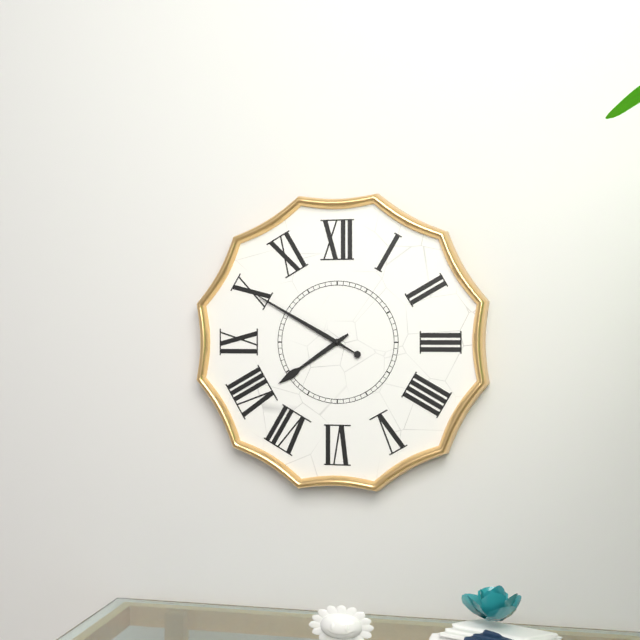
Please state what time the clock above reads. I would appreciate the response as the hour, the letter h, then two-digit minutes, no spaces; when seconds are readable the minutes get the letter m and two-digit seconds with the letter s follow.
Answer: 7h50
